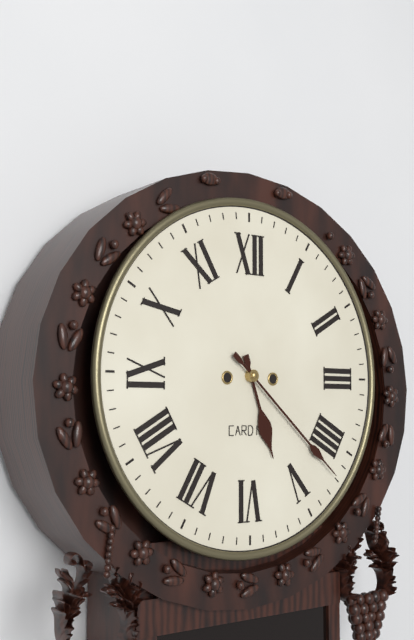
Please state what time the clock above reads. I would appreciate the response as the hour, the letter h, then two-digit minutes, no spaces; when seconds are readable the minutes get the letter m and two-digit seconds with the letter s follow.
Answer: 5h22
